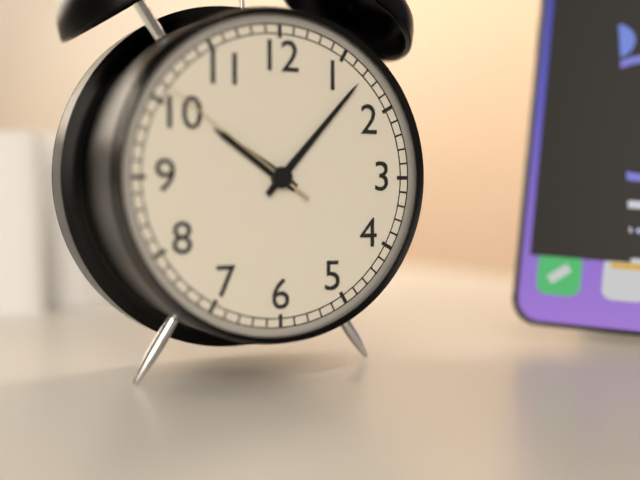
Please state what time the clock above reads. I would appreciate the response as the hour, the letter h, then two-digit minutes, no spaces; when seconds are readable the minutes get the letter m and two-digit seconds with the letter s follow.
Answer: 10h07m51s
